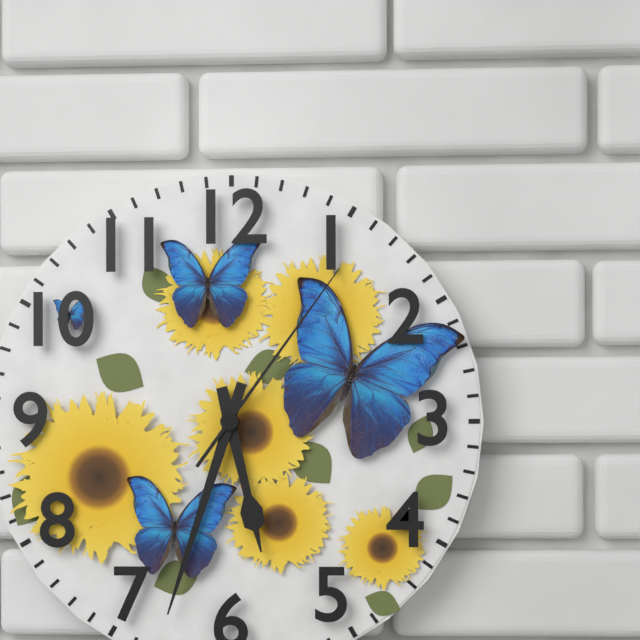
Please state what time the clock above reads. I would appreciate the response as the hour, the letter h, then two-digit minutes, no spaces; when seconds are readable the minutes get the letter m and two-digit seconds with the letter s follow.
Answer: 5h33m06s
